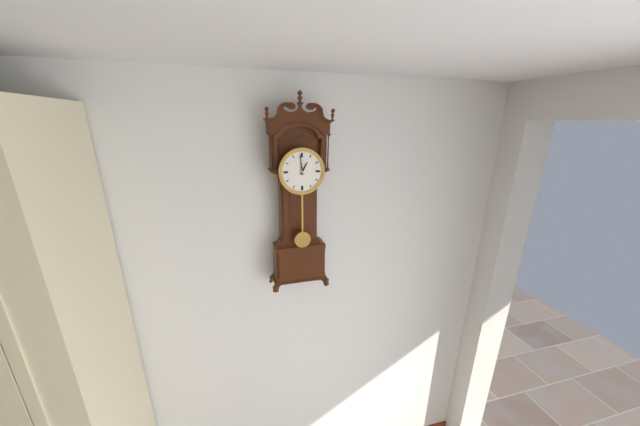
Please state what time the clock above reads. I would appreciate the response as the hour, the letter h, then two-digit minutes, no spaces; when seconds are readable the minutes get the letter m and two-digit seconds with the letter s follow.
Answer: 12h59
